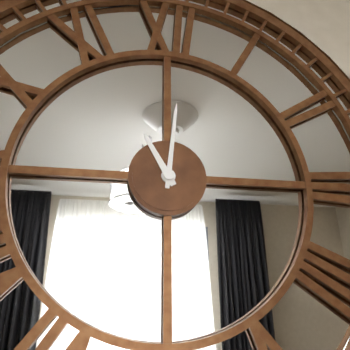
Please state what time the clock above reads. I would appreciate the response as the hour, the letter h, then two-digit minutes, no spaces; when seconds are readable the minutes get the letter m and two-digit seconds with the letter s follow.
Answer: 11h01
